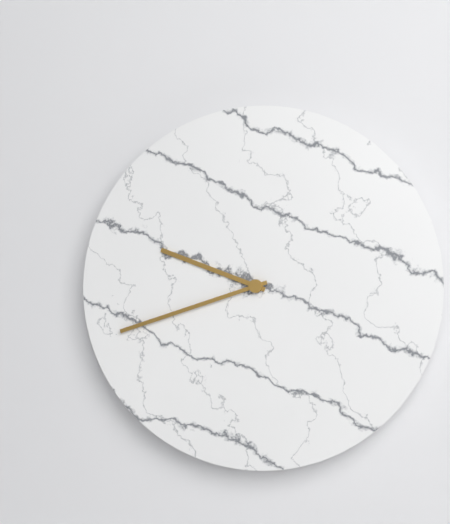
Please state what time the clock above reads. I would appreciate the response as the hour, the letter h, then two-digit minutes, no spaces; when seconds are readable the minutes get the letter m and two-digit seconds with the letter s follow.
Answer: 9h42
